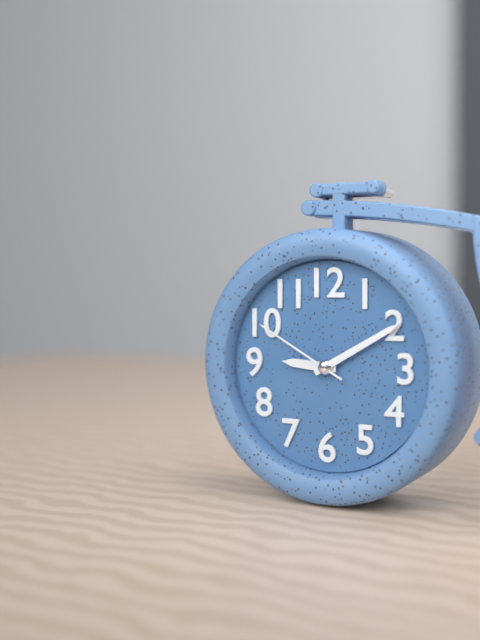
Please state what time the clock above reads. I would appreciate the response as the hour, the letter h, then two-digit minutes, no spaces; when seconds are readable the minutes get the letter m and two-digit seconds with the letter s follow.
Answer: 9h10m50s
